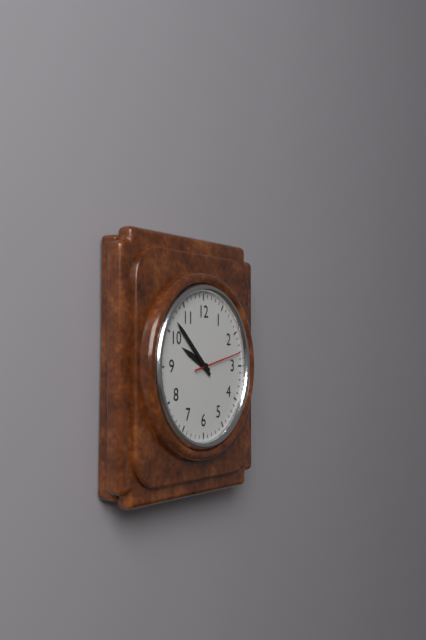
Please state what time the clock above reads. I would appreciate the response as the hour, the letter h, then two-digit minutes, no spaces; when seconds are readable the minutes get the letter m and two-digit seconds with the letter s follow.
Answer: 9h52
